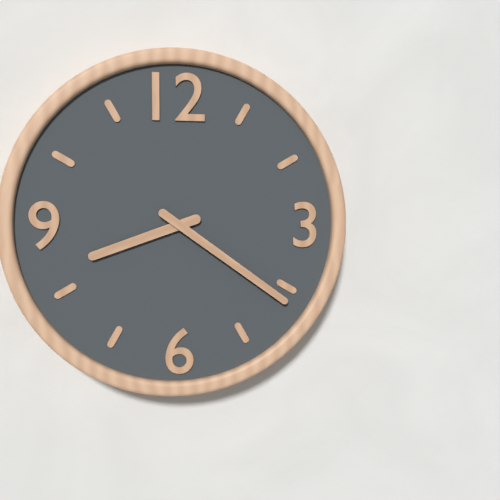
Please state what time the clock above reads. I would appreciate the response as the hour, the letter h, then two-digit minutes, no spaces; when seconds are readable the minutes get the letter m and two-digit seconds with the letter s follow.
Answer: 8h21
